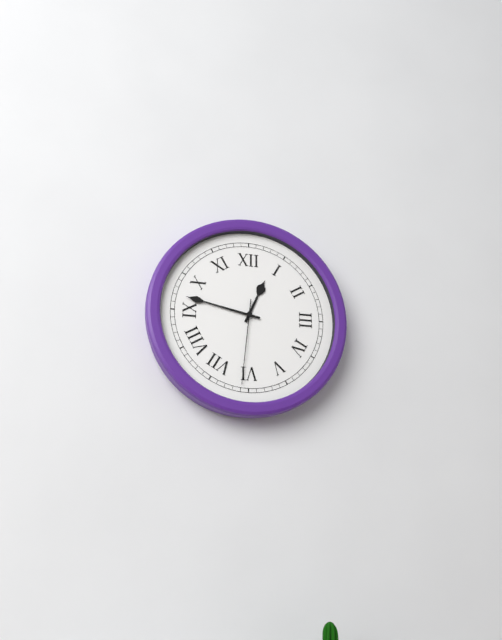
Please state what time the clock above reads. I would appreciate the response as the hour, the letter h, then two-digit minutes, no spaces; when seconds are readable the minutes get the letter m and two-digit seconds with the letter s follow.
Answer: 12h47m31s
